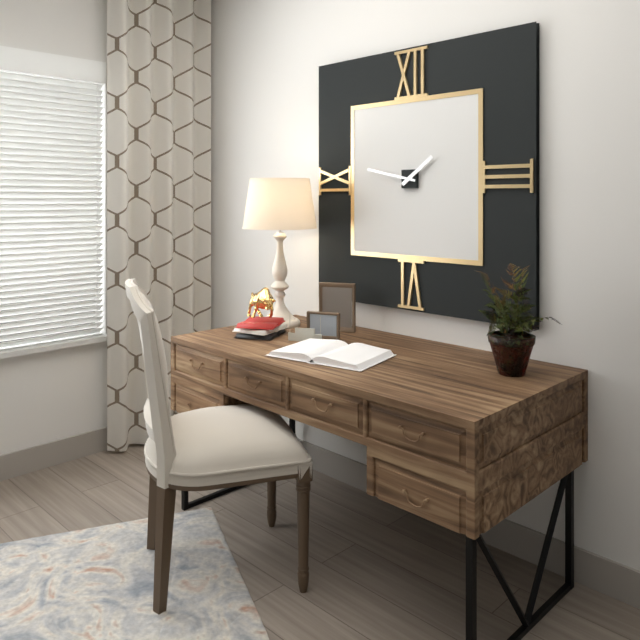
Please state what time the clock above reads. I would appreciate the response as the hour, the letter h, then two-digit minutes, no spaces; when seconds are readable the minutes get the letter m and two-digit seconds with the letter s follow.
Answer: 1h47
